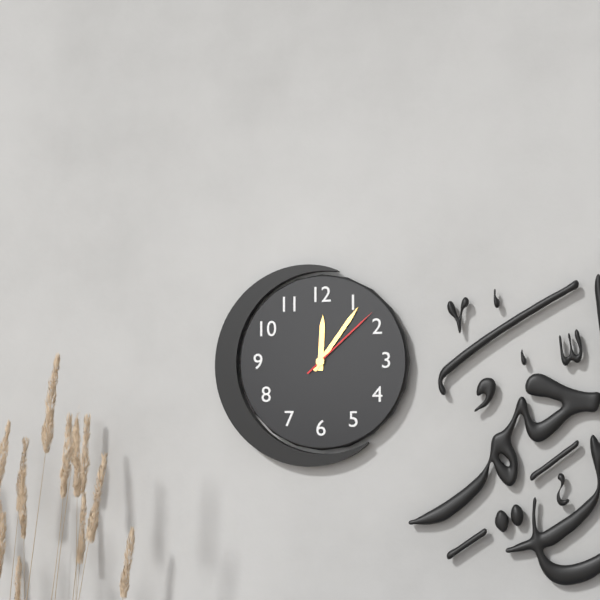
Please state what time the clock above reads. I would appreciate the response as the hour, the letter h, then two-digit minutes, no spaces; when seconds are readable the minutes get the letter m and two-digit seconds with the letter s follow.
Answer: 12h06m08s
